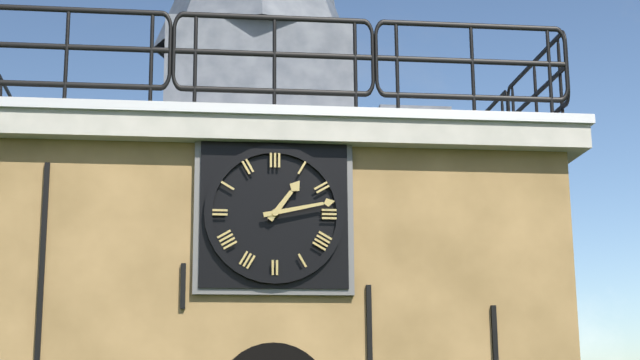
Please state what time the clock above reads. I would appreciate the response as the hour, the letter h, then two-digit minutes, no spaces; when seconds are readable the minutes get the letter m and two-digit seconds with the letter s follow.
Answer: 1h13
